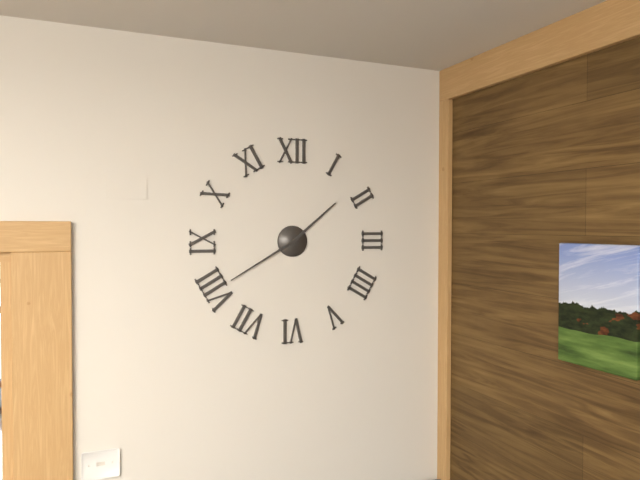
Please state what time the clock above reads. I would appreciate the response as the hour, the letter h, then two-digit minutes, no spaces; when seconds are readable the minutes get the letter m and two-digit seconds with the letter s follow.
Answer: 1h40
